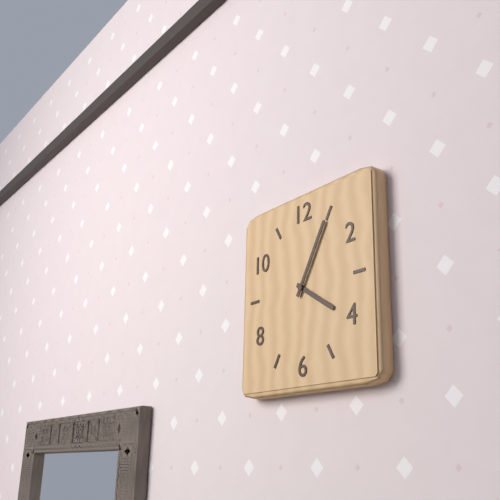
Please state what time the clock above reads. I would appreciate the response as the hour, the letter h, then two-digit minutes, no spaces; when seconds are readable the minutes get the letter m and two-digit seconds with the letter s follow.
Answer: 4h05
